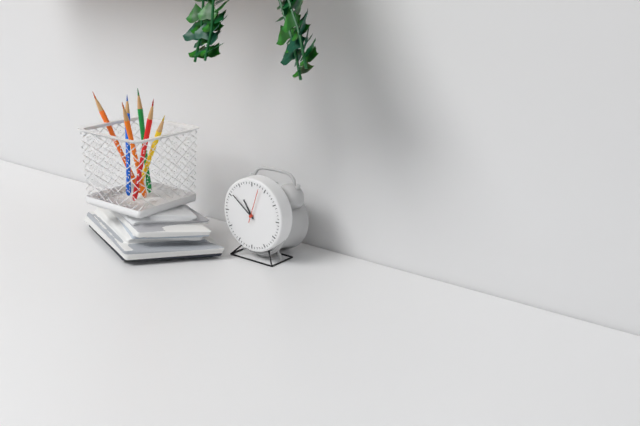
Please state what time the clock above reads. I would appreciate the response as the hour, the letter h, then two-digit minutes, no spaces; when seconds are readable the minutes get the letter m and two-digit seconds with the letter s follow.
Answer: 10h51
